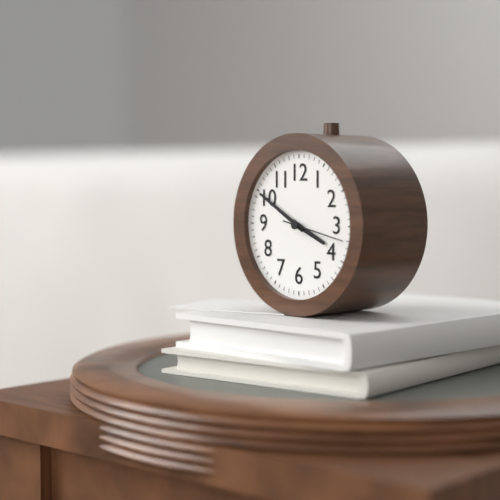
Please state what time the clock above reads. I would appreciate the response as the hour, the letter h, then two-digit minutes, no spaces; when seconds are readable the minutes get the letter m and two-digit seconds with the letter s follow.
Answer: 3h50m17s
